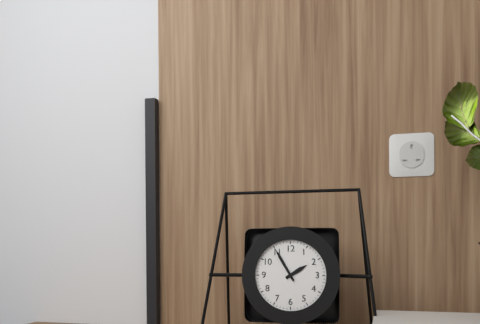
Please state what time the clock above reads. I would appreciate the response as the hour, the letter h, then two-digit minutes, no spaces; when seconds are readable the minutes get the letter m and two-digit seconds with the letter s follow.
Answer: 1h55
